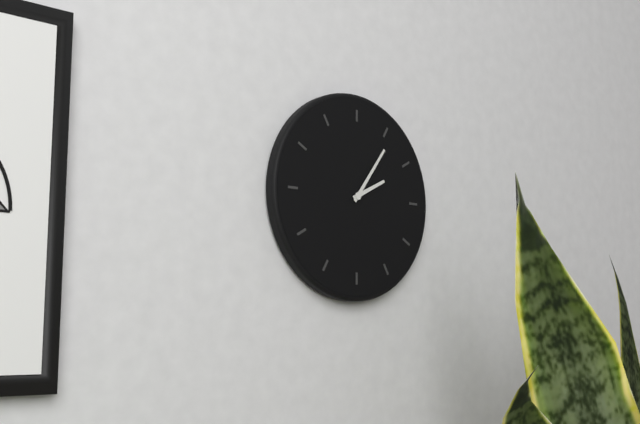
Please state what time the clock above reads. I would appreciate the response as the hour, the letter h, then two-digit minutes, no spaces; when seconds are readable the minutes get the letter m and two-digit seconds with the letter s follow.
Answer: 2h06
